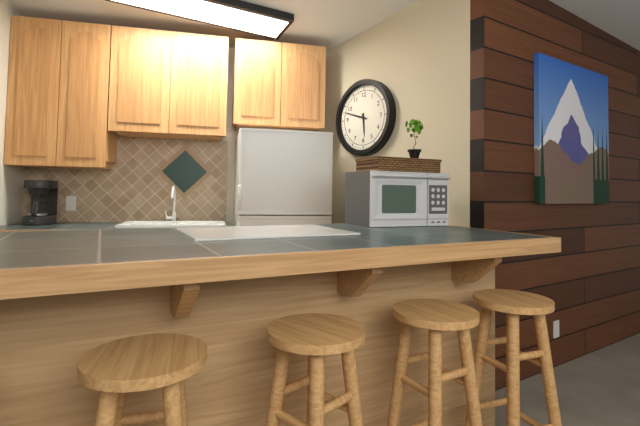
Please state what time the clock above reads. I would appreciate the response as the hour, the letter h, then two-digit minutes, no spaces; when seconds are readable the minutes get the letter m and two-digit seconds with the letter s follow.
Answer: 5h48
